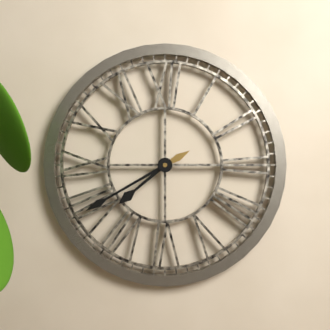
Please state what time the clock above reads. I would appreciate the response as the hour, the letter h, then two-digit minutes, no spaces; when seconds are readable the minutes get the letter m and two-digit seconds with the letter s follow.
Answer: 7h40
